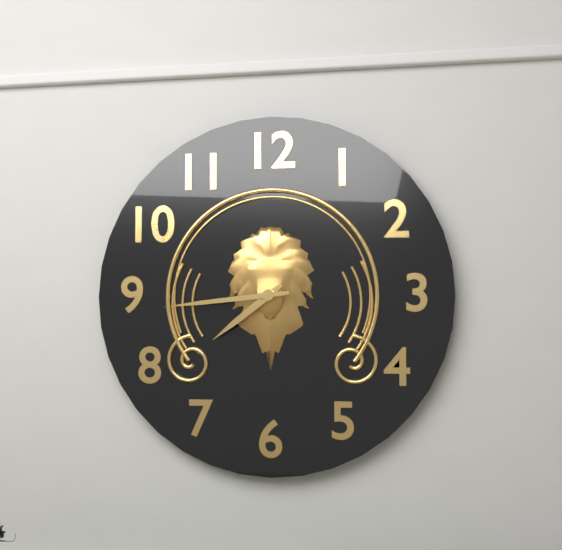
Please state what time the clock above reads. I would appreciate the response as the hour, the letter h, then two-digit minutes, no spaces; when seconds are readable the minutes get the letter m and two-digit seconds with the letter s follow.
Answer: 7h44
